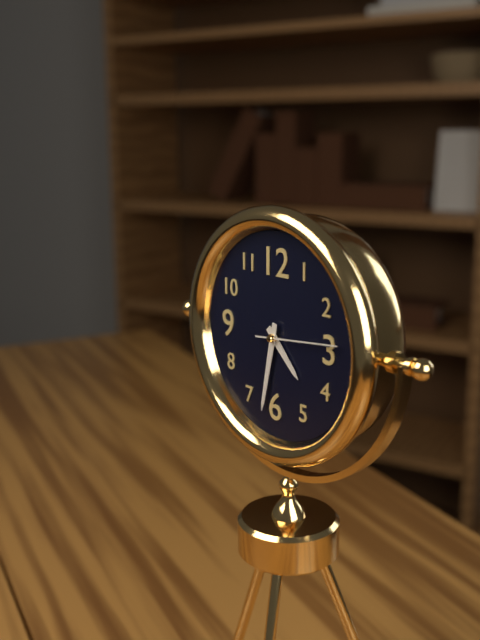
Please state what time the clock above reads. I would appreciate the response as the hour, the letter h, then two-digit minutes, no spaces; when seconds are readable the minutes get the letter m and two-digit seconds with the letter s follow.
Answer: 4h32m14s
